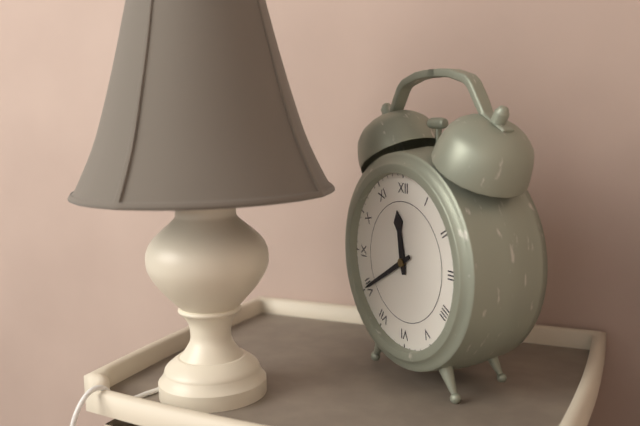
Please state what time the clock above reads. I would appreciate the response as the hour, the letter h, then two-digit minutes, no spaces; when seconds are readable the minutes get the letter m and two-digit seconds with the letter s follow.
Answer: 11h40
